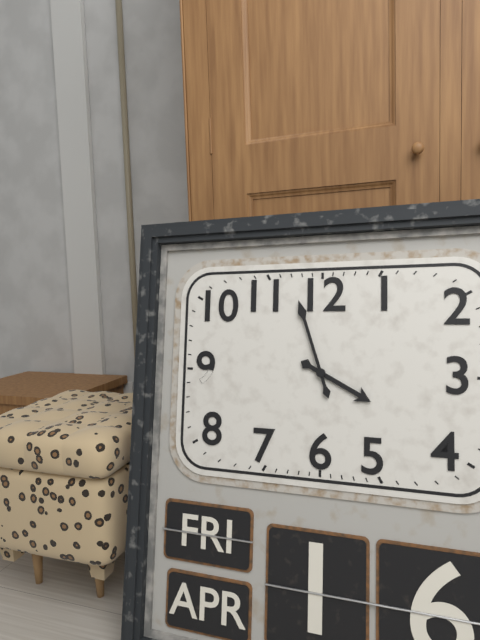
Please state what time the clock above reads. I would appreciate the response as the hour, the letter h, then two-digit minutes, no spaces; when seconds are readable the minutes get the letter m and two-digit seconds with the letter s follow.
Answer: 3h57
